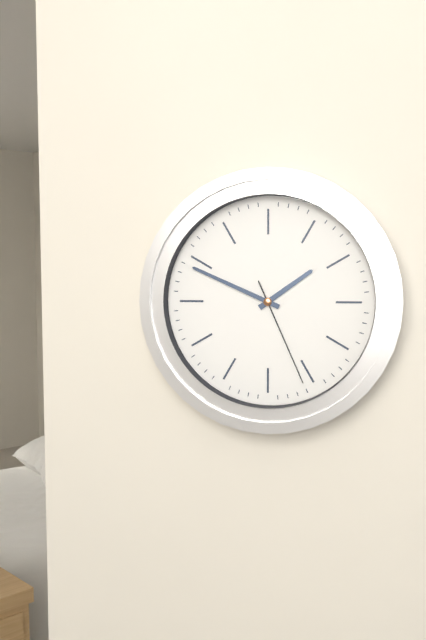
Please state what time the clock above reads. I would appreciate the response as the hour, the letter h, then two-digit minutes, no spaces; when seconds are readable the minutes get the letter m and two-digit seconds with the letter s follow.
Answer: 1h49m26s
